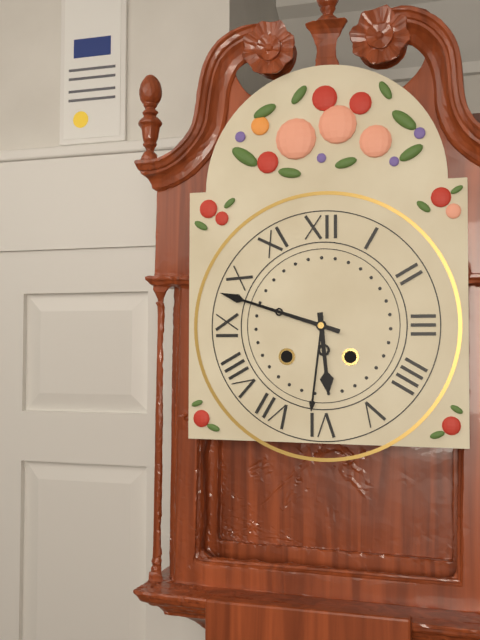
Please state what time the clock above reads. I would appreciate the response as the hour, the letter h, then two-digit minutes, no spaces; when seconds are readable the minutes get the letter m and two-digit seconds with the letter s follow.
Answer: 5h48
